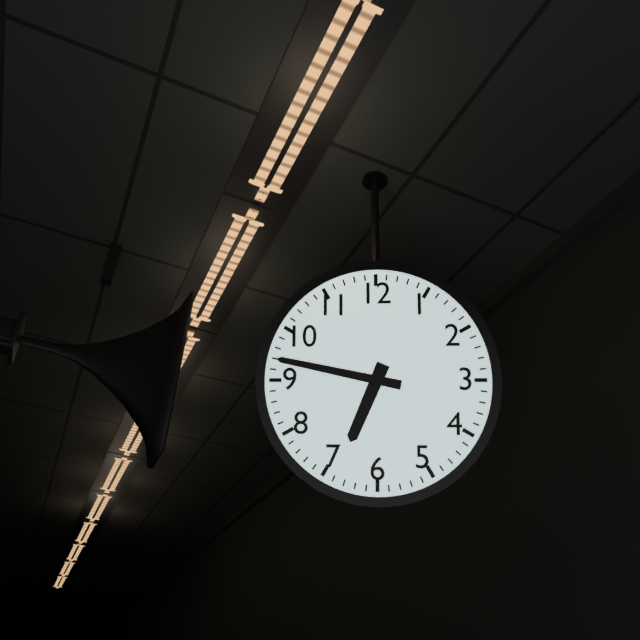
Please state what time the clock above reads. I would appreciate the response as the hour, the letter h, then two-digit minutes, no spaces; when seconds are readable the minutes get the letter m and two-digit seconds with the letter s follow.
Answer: 6h47
